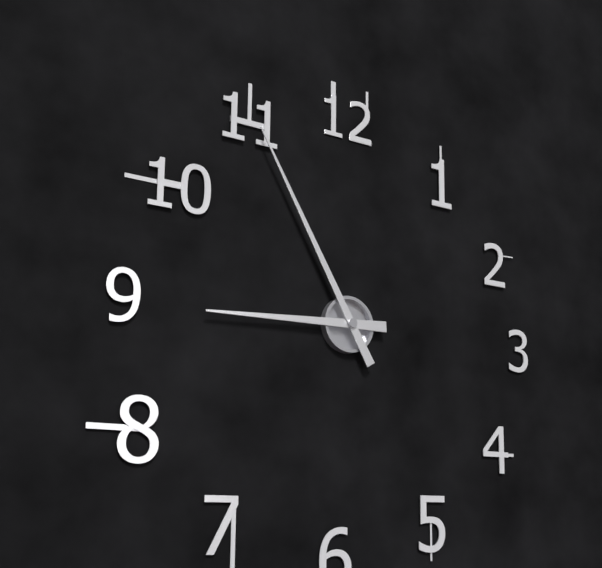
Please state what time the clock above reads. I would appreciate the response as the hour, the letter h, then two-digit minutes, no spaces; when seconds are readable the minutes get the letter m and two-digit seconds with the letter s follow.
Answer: 8h55
